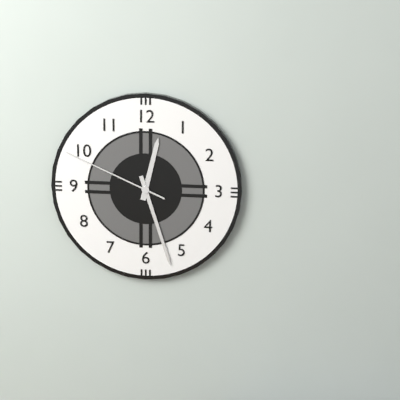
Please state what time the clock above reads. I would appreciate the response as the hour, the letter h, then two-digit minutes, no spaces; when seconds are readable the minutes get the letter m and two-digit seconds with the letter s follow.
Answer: 12h27m49s
